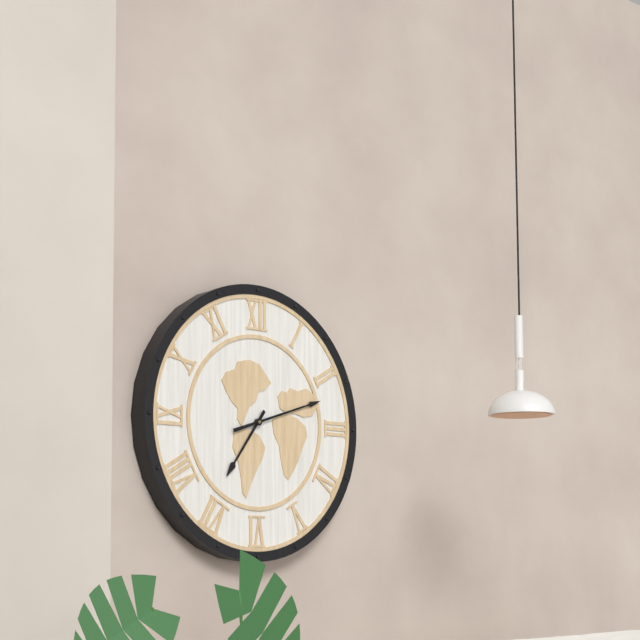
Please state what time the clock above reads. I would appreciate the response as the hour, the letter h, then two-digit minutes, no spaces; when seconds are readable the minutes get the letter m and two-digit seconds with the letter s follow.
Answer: 7h12
